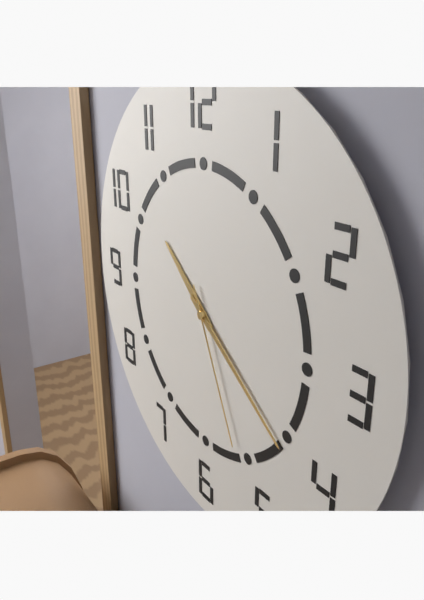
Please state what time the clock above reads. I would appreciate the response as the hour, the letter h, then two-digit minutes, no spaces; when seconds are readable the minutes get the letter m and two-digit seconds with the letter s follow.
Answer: 10h21m26s
